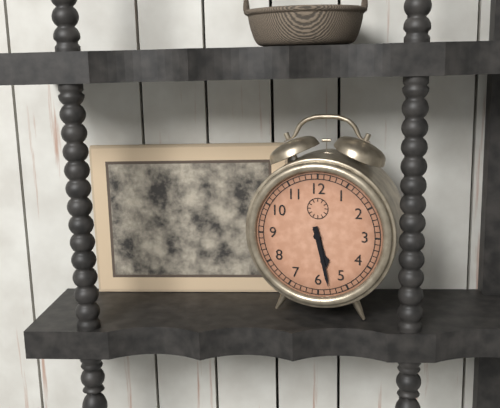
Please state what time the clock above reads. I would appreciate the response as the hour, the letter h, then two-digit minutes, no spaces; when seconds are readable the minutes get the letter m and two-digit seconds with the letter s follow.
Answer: 5h28
